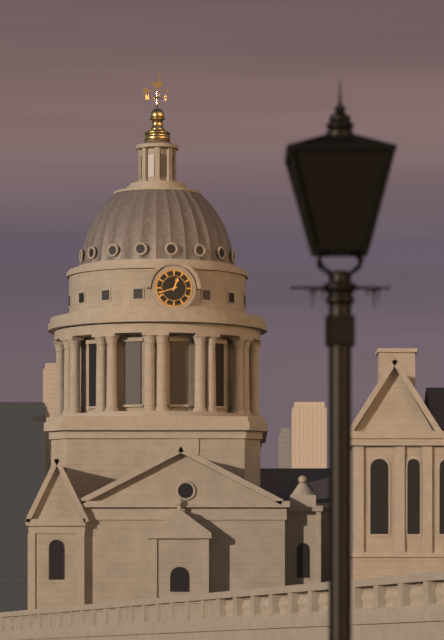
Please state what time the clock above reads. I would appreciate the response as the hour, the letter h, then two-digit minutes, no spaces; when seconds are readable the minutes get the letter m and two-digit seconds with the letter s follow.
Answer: 12h42
